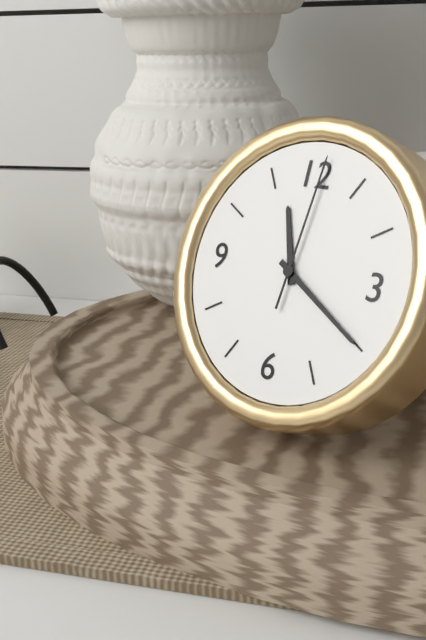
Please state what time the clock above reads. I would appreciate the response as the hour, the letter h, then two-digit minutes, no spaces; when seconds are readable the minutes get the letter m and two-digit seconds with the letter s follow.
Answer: 11h20m01s
